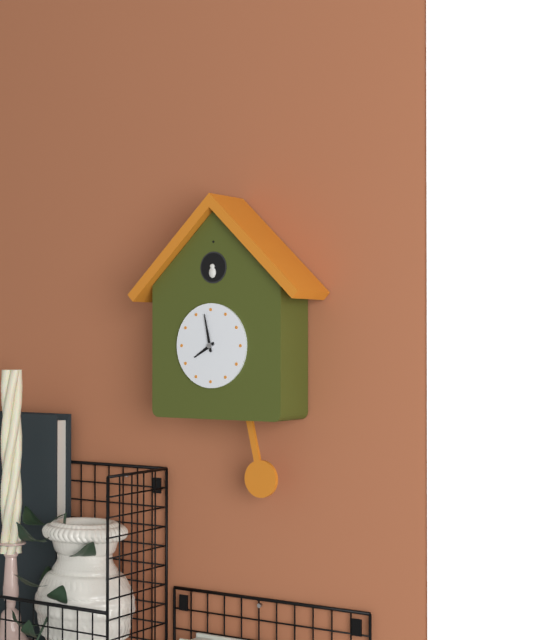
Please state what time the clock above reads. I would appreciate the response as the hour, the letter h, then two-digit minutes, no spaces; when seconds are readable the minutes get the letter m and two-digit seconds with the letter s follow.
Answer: 7h58
